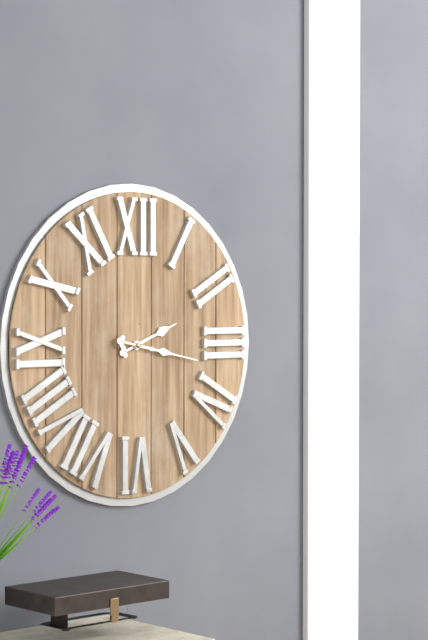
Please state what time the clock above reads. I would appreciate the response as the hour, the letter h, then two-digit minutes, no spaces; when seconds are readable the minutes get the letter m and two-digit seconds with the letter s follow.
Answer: 2h17
